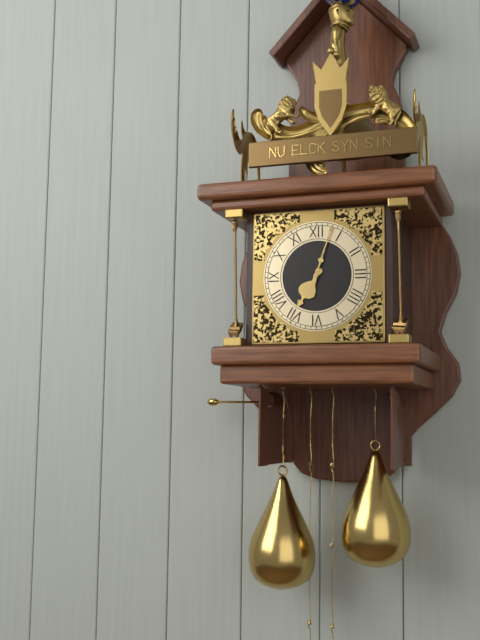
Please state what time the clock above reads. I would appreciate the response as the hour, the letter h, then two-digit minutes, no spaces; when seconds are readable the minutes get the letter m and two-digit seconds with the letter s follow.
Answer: 7h03
